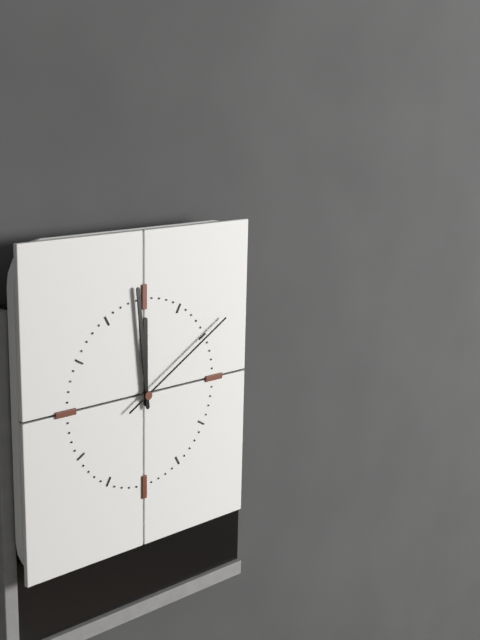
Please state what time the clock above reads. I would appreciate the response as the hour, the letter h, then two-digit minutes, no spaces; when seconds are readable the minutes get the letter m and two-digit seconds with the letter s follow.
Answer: 11h59m10s
